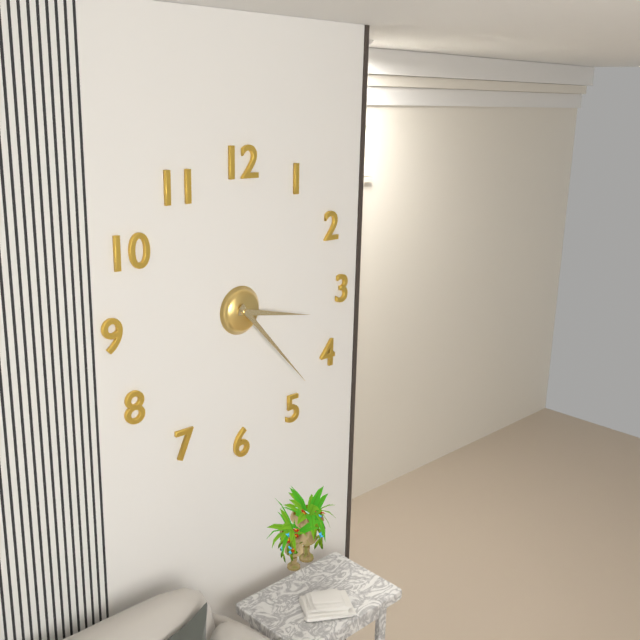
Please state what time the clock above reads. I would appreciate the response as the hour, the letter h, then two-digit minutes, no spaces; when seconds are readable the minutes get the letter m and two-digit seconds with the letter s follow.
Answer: 3h23
